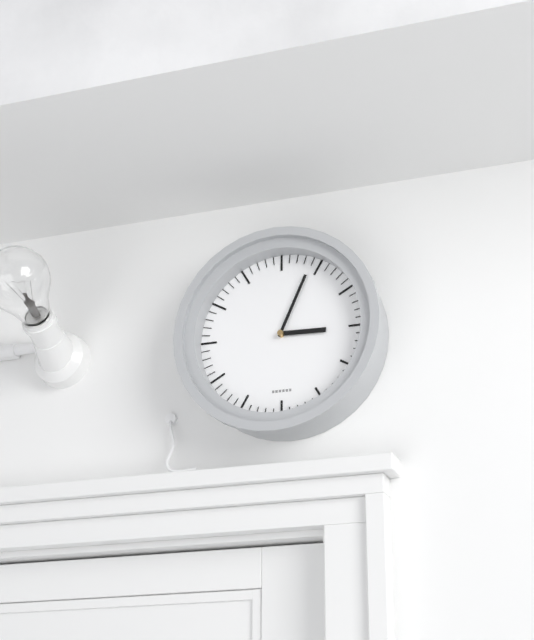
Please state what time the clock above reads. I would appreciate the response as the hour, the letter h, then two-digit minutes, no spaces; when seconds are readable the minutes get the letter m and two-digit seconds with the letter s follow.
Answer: 3h04
